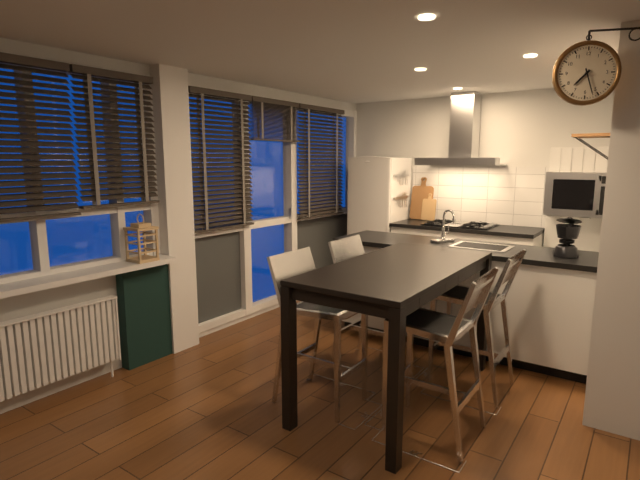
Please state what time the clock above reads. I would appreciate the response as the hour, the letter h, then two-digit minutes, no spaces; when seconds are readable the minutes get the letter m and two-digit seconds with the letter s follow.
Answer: 7h27
